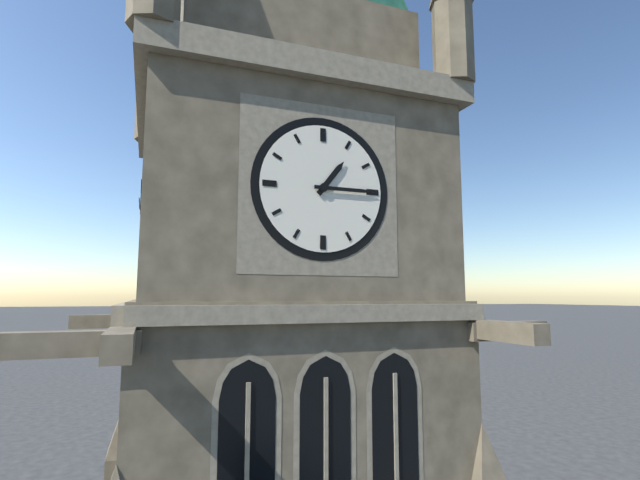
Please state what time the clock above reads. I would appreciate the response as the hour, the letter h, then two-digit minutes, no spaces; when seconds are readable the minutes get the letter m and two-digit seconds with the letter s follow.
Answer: 1h15
